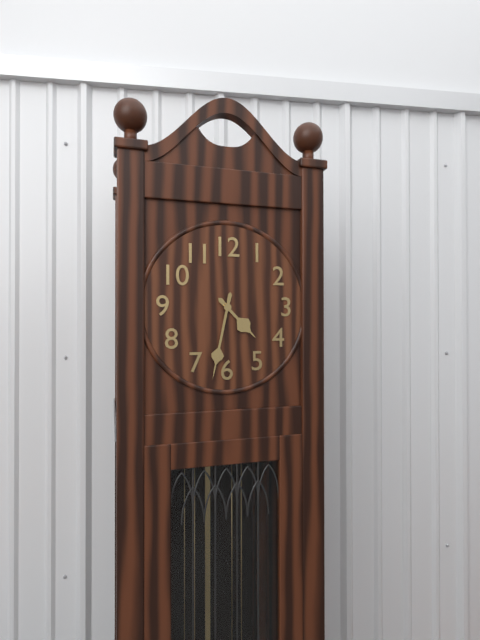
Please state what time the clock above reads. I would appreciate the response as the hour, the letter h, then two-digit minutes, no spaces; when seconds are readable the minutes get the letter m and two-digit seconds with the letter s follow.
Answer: 4h32
